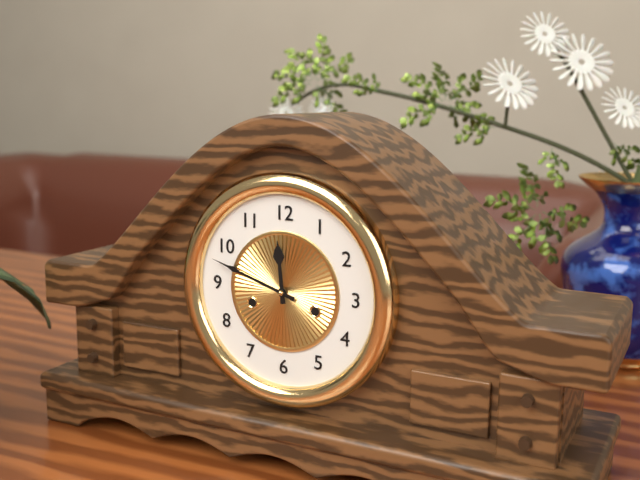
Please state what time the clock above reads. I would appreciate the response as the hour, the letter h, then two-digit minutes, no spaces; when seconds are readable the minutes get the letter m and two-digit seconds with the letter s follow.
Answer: 11h48
